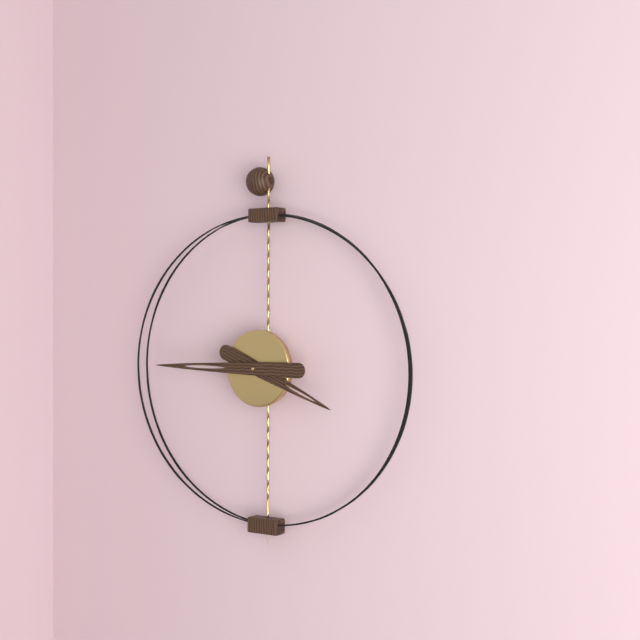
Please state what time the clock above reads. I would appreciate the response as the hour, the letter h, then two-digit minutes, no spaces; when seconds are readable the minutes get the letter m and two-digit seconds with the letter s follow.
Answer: 3h45
